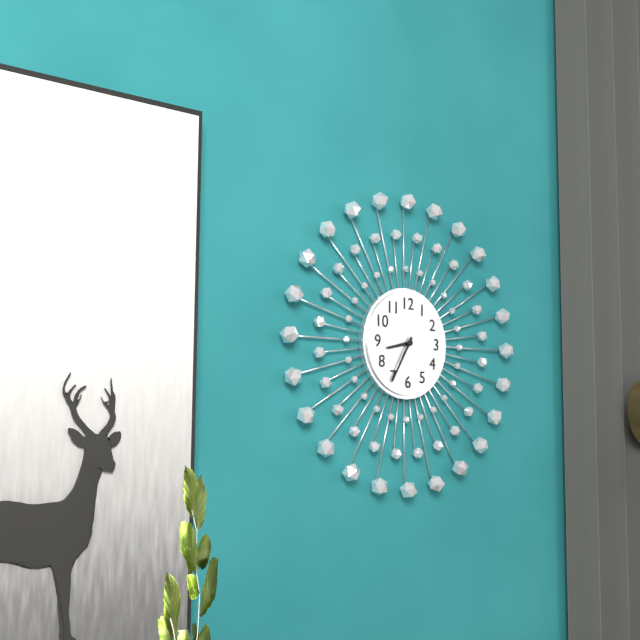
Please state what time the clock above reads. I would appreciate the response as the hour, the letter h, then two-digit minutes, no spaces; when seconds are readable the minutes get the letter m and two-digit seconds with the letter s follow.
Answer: 8h35
